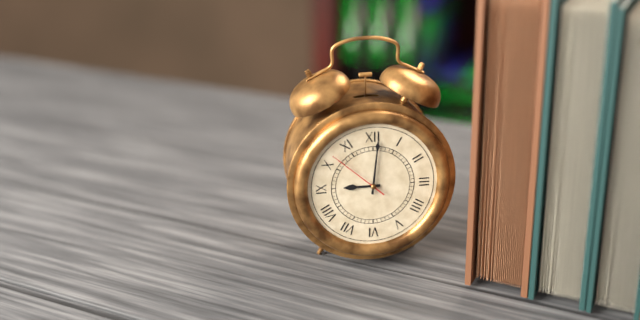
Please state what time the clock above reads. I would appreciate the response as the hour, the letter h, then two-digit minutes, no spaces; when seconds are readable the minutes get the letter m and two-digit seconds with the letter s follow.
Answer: 9h01m52s
